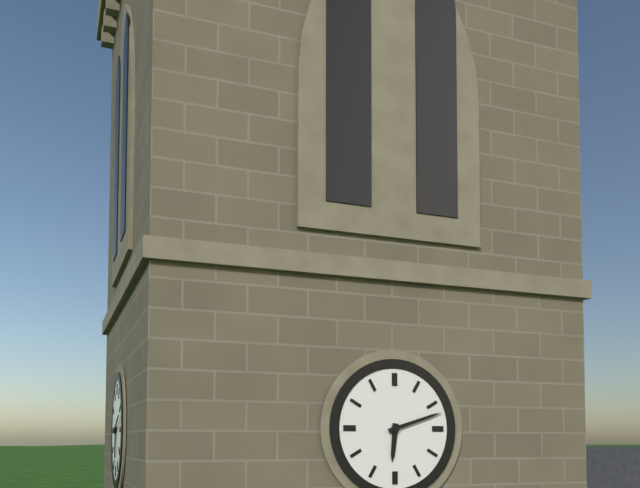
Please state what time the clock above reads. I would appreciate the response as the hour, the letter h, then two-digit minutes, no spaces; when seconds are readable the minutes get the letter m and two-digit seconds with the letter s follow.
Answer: 6h12
